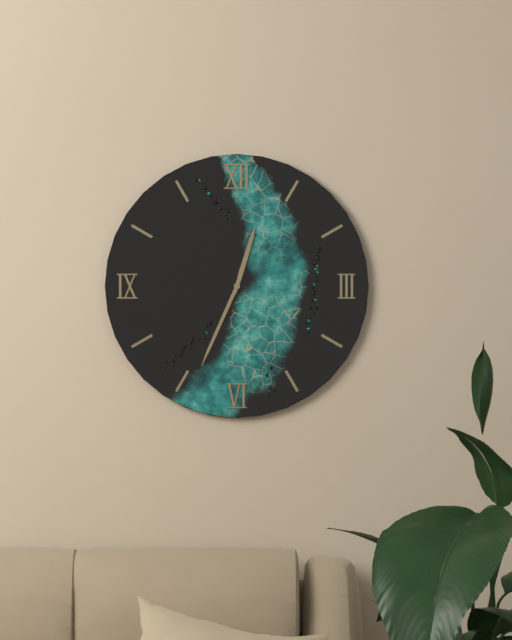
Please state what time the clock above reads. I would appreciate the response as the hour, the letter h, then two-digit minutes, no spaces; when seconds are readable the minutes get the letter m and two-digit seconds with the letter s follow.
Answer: 12h34
